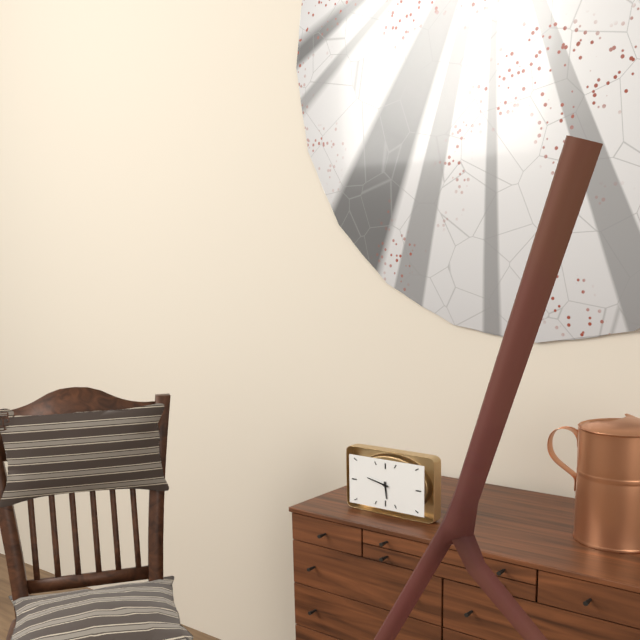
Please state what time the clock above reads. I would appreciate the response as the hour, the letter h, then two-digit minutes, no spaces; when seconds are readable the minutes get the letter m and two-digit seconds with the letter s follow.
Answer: 5h47
